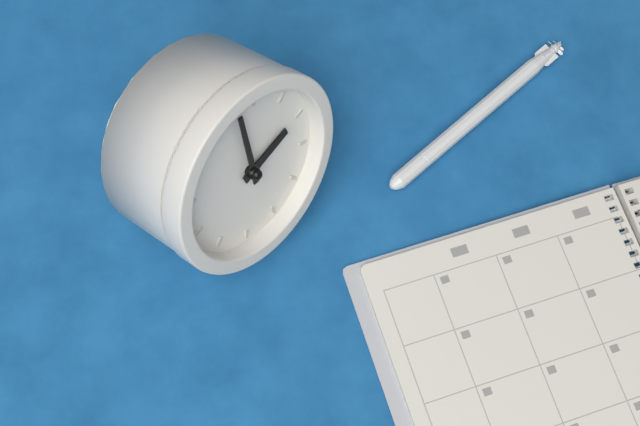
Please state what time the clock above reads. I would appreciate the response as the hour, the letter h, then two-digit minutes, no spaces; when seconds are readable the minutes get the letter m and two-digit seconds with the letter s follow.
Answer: 1h57
